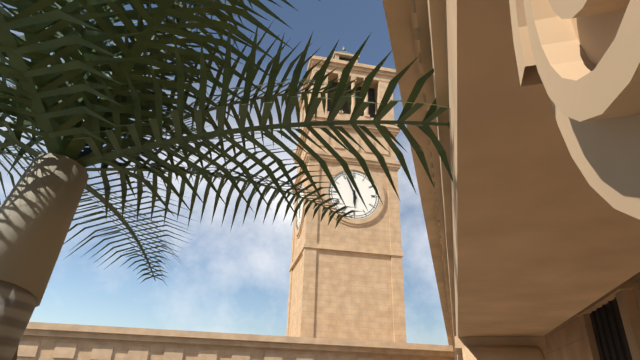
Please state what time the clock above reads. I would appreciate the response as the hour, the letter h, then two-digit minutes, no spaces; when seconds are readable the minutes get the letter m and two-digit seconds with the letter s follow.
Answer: 5h56
